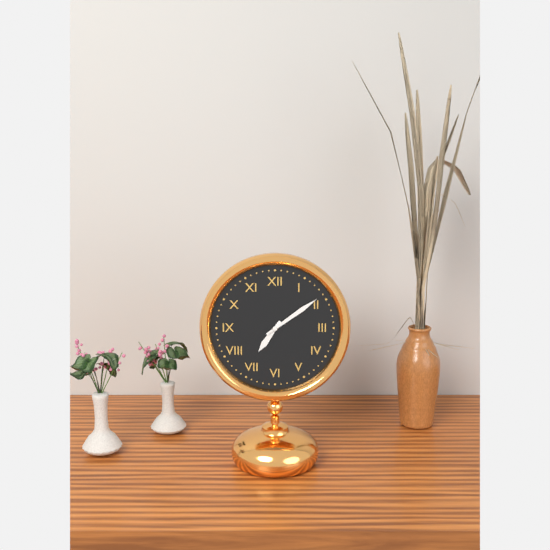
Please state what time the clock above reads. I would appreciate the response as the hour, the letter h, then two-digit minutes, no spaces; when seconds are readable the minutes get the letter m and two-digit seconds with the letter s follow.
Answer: 7h09
